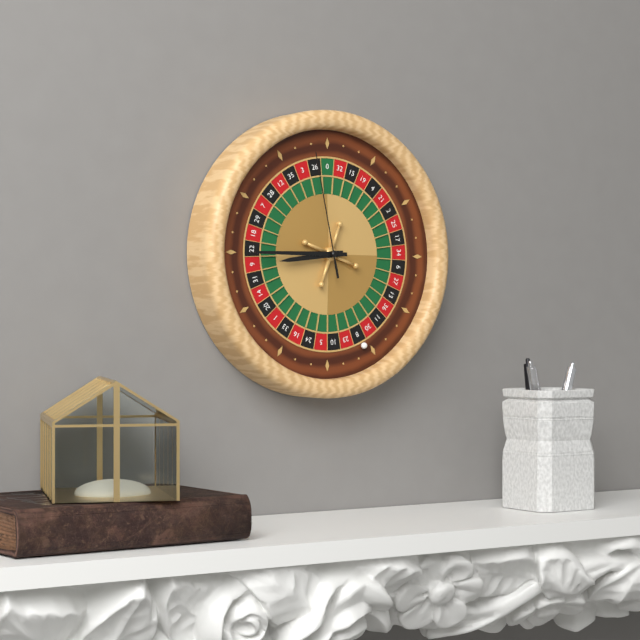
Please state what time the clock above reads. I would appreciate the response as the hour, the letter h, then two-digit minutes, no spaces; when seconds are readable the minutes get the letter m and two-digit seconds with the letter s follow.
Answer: 8h45m58s
